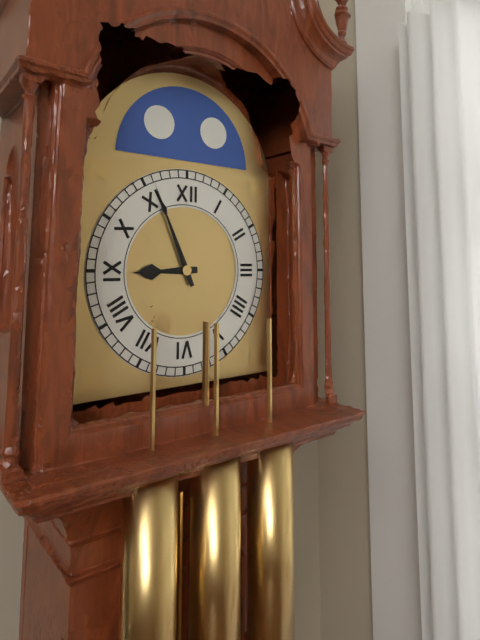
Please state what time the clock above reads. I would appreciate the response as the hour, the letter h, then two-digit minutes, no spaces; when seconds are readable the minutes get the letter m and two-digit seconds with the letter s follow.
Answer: 8h56
